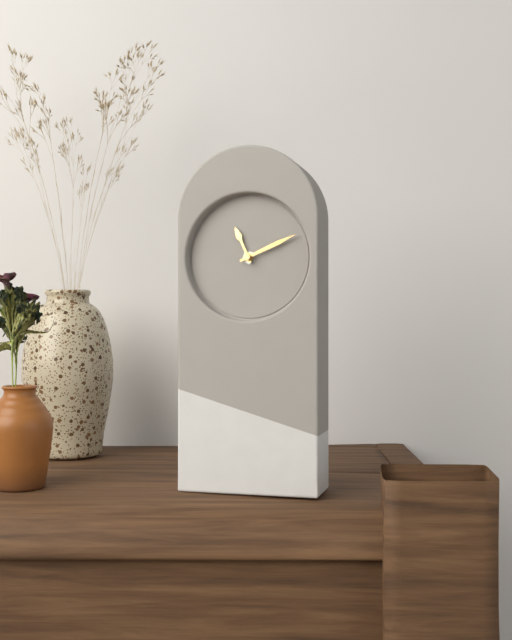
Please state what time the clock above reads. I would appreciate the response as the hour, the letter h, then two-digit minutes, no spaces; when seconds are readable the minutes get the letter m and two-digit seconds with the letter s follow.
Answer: 11h11
